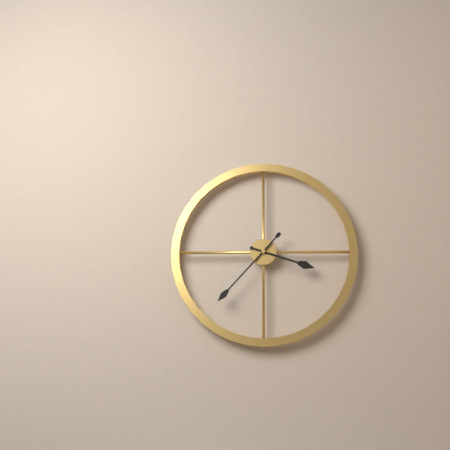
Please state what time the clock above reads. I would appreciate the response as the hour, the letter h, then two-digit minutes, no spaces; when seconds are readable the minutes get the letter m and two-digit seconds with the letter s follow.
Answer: 3h37
